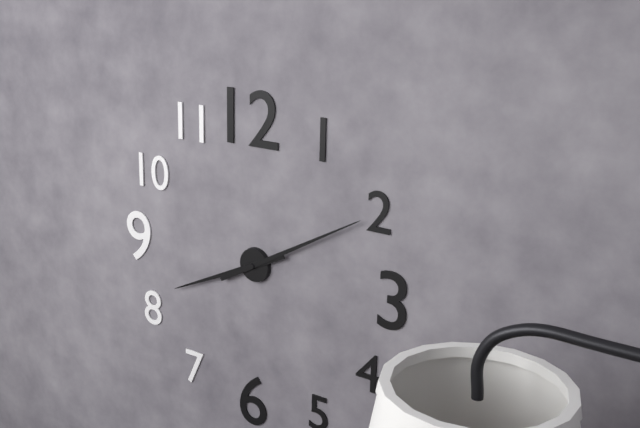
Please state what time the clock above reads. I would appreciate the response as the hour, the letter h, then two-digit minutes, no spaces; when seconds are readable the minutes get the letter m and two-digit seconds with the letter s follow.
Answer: 8h10
